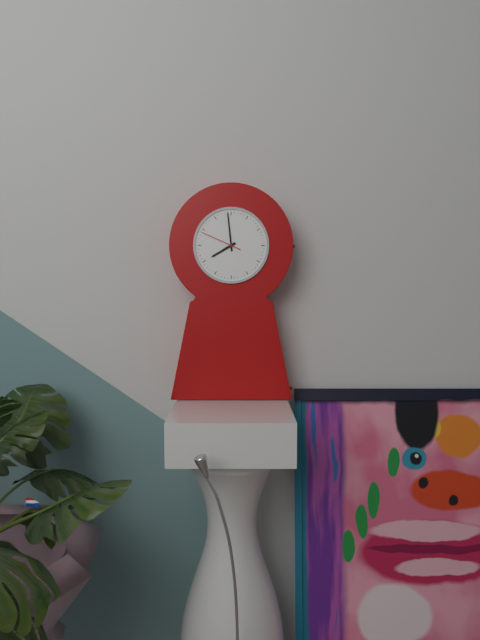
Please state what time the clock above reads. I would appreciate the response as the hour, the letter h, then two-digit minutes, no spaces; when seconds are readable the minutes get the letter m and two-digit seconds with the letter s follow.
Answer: 7h59
